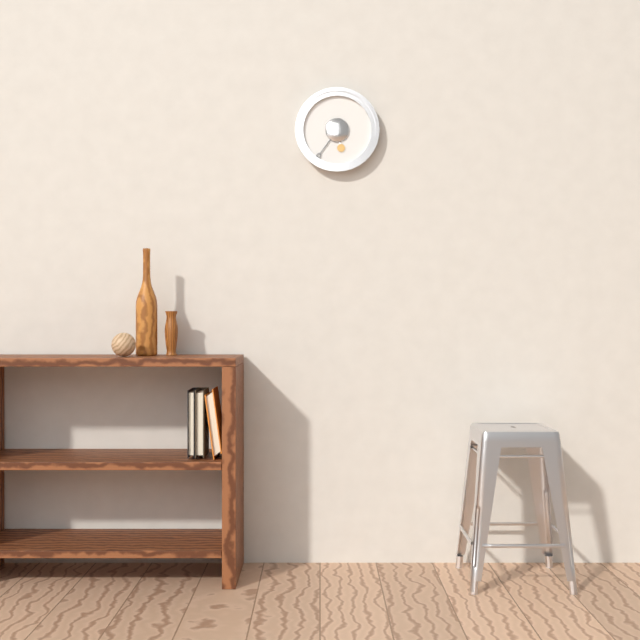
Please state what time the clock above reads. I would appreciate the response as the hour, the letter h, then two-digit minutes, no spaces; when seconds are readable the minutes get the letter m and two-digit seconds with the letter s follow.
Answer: 5h36
